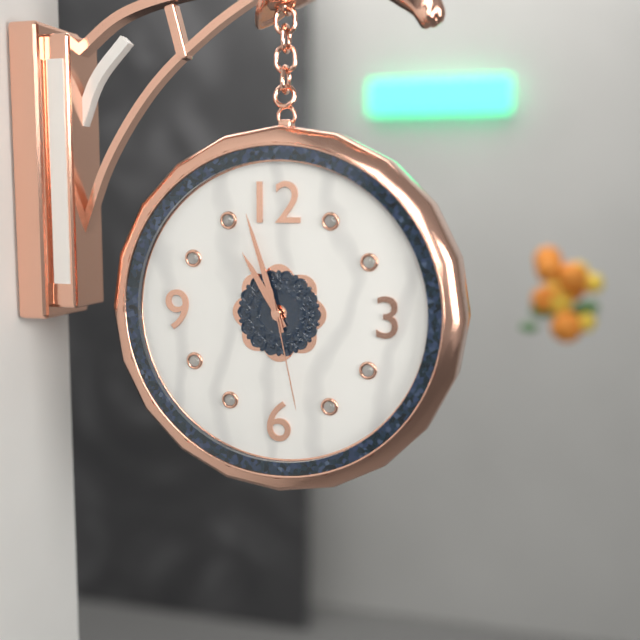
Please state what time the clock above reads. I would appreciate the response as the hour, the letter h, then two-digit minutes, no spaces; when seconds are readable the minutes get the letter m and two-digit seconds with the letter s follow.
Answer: 10h57m28s
